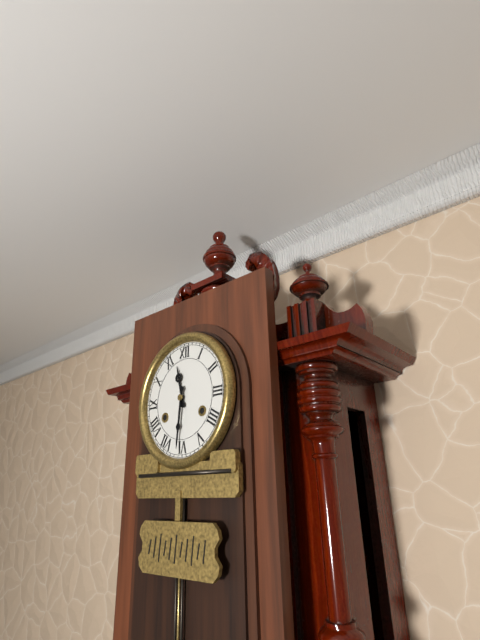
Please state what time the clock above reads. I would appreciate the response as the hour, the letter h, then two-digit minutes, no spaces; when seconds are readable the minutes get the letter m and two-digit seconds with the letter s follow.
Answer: 11h31
